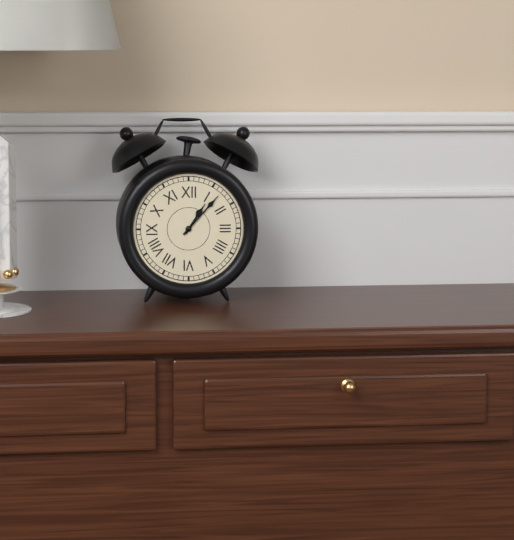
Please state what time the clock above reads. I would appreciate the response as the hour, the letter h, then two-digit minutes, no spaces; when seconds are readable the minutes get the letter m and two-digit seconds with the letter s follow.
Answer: 1h07
